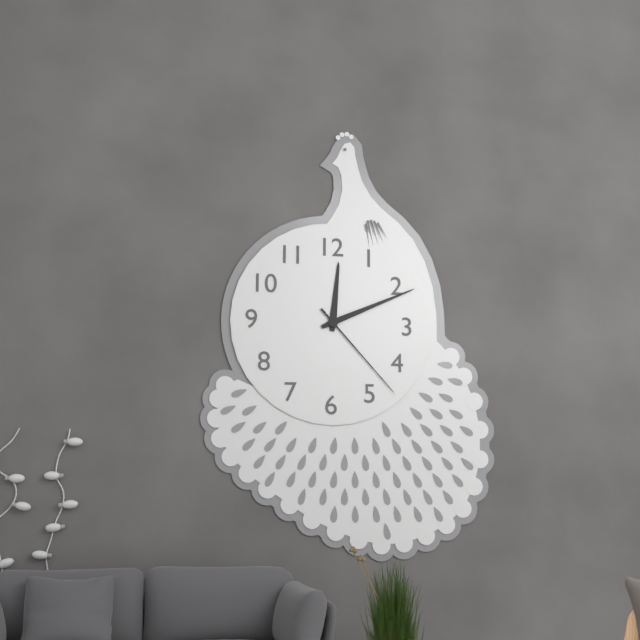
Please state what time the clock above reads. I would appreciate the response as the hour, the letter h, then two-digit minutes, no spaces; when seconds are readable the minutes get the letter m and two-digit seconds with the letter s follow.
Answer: 12h11m23s
